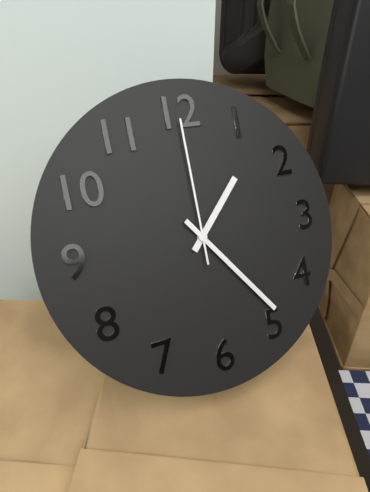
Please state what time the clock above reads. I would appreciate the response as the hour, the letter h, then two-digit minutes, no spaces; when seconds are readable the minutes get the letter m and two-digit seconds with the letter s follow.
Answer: 1h24m00s
